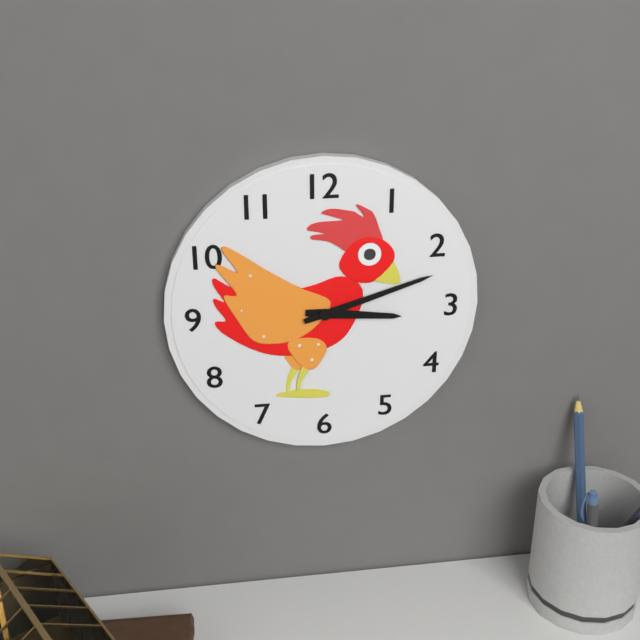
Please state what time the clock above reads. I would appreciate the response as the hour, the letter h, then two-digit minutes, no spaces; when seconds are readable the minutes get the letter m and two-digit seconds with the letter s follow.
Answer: 3h12
